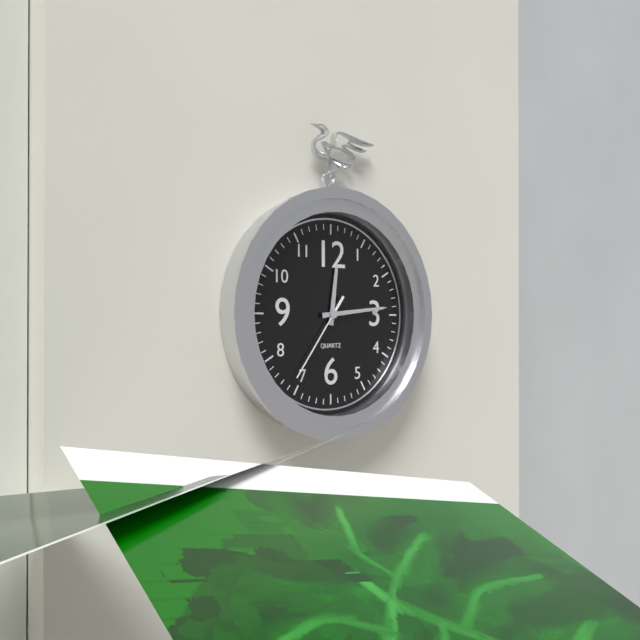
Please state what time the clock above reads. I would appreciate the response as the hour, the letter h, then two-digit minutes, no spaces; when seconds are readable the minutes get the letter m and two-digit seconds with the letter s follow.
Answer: 12h14m36s
